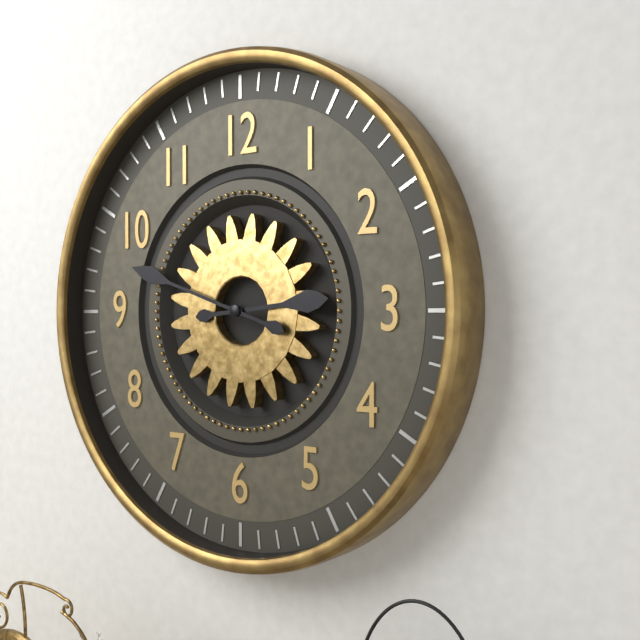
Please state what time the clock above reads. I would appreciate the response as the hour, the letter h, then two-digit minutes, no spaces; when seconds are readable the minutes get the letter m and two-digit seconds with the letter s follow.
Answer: 2h48
